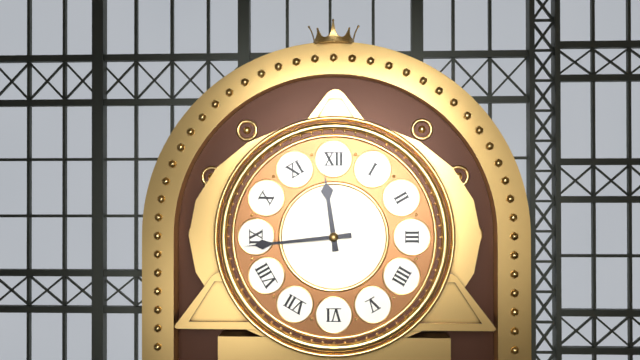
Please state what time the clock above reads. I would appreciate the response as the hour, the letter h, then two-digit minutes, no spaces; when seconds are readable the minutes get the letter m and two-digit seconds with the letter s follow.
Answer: 11h44
